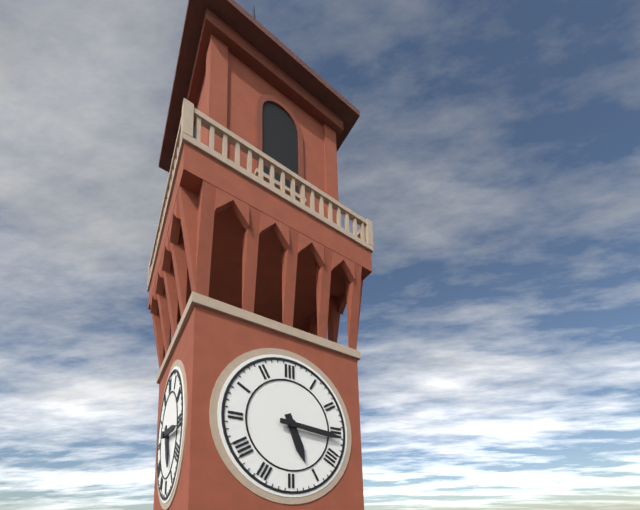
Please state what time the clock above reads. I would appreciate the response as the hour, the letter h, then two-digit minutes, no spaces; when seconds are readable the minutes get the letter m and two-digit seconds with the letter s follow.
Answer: 5h16
